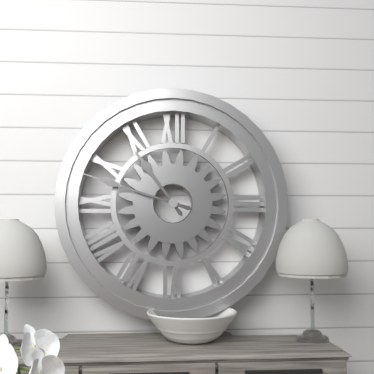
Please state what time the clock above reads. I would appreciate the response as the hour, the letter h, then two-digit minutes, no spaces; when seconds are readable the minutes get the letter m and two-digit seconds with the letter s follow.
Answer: 10h48
